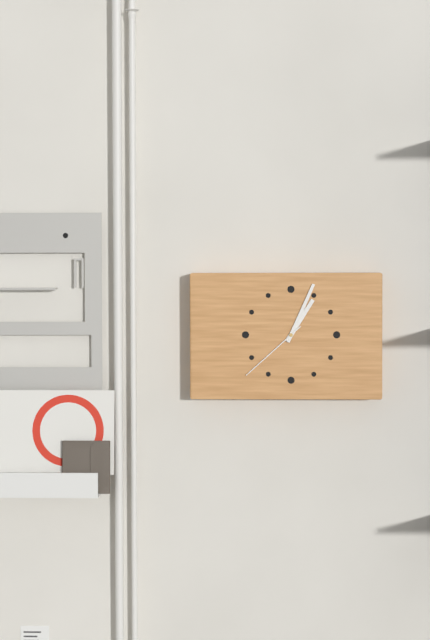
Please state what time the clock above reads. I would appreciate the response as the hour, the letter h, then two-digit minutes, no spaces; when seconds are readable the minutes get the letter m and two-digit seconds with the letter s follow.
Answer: 1h04m38s
